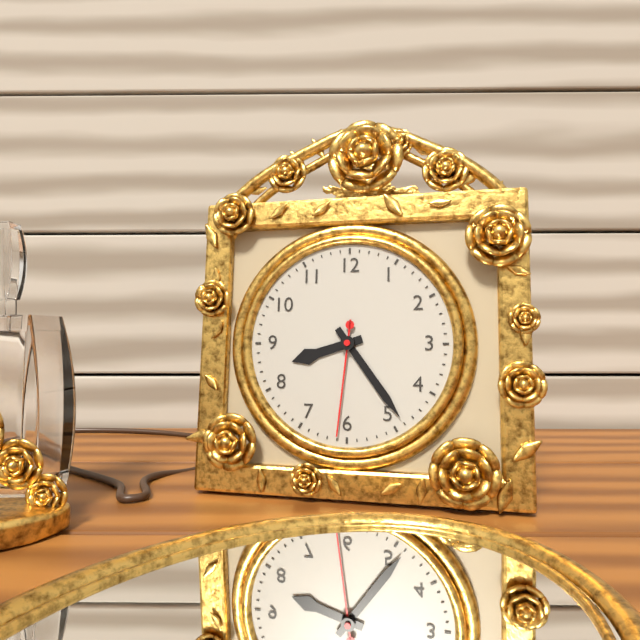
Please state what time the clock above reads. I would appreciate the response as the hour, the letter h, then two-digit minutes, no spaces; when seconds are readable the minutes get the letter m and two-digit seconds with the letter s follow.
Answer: 8h24m31s
